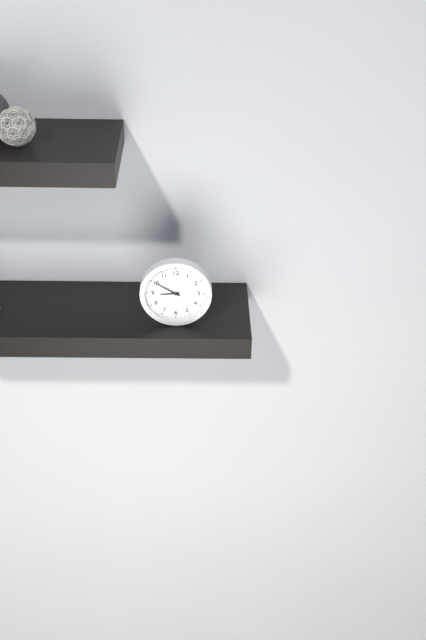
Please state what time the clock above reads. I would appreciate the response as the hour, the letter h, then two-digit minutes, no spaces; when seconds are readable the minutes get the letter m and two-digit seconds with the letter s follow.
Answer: 8h50
